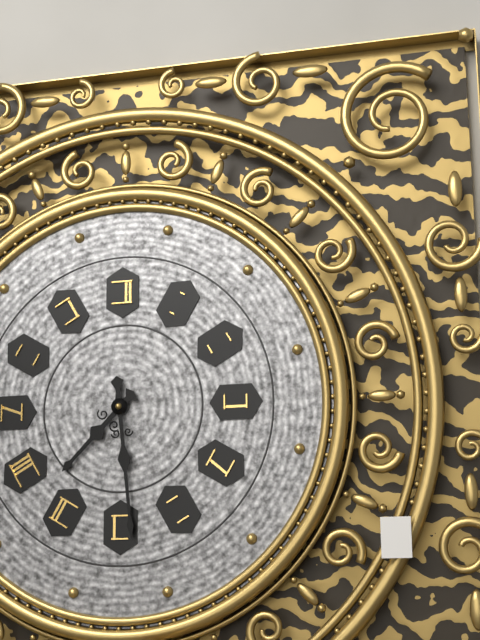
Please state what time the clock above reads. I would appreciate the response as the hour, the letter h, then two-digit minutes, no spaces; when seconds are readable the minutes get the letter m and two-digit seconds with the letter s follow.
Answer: 7h29
